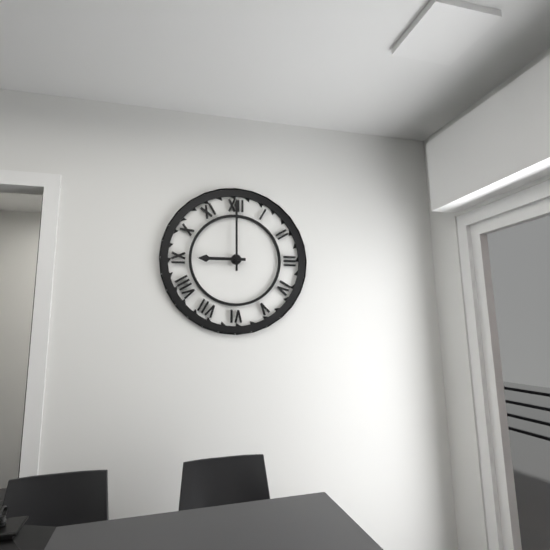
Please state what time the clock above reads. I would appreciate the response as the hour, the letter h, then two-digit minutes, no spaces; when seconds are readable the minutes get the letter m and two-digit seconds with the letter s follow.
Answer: 9h00
